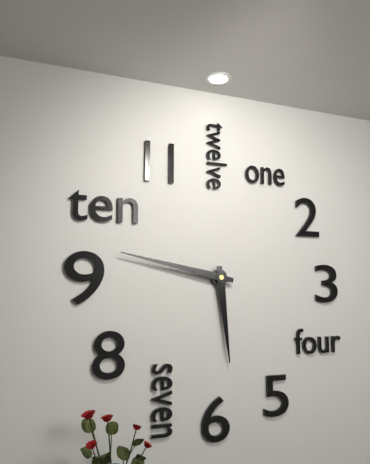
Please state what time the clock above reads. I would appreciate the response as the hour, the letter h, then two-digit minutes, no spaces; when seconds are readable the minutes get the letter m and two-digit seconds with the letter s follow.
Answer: 5h47
